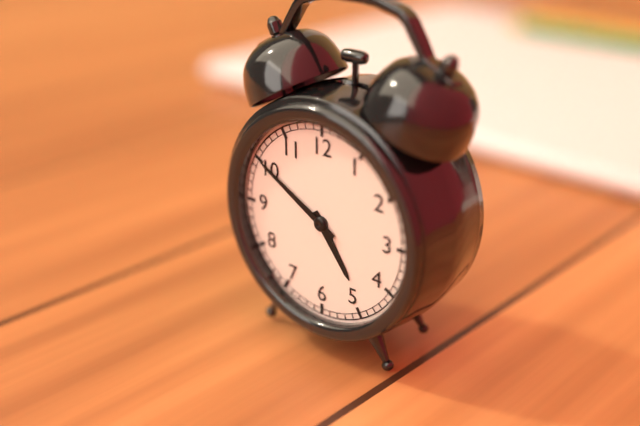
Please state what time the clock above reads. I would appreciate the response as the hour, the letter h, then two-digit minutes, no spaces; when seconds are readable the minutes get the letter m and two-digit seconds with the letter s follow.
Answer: 4h50
